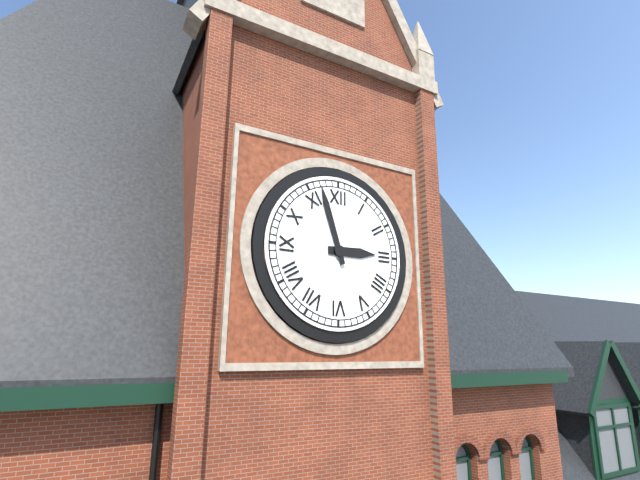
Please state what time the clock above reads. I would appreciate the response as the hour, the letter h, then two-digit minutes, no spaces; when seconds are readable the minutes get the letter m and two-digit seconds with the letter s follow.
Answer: 2h57
